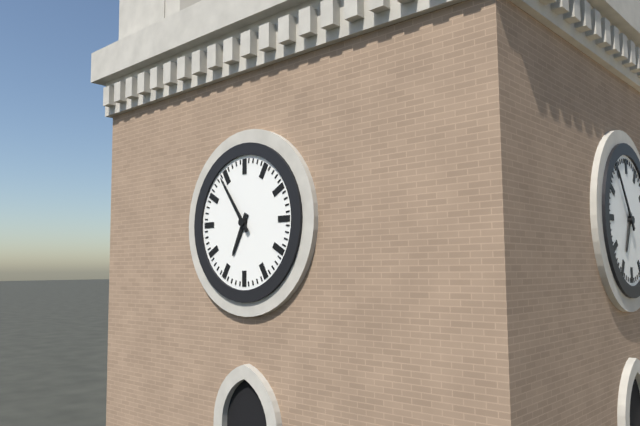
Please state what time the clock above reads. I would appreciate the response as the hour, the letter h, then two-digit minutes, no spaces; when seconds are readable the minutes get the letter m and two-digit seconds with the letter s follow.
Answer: 6h54
